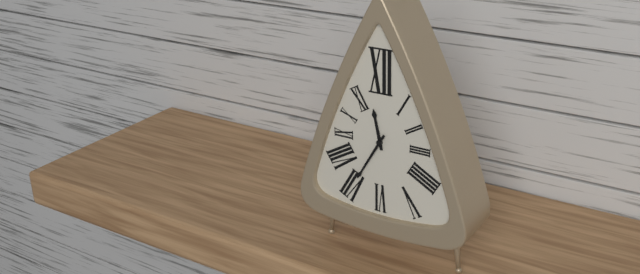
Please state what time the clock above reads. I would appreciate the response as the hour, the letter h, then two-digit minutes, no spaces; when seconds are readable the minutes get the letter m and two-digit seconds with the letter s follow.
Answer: 11h35
